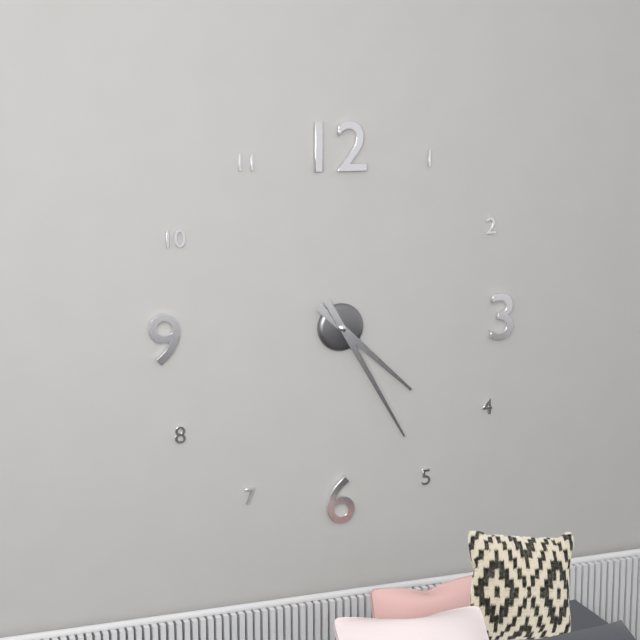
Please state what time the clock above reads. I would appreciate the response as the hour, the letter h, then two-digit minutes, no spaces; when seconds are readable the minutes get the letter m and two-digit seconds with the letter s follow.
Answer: 4h25
